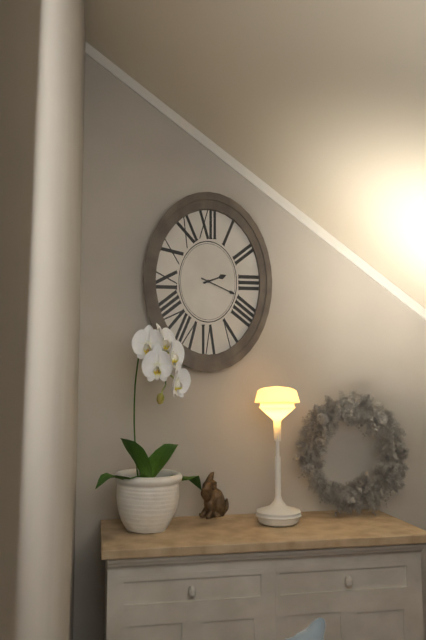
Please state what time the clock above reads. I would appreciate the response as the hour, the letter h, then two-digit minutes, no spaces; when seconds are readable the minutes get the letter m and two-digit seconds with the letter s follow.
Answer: 2h19
